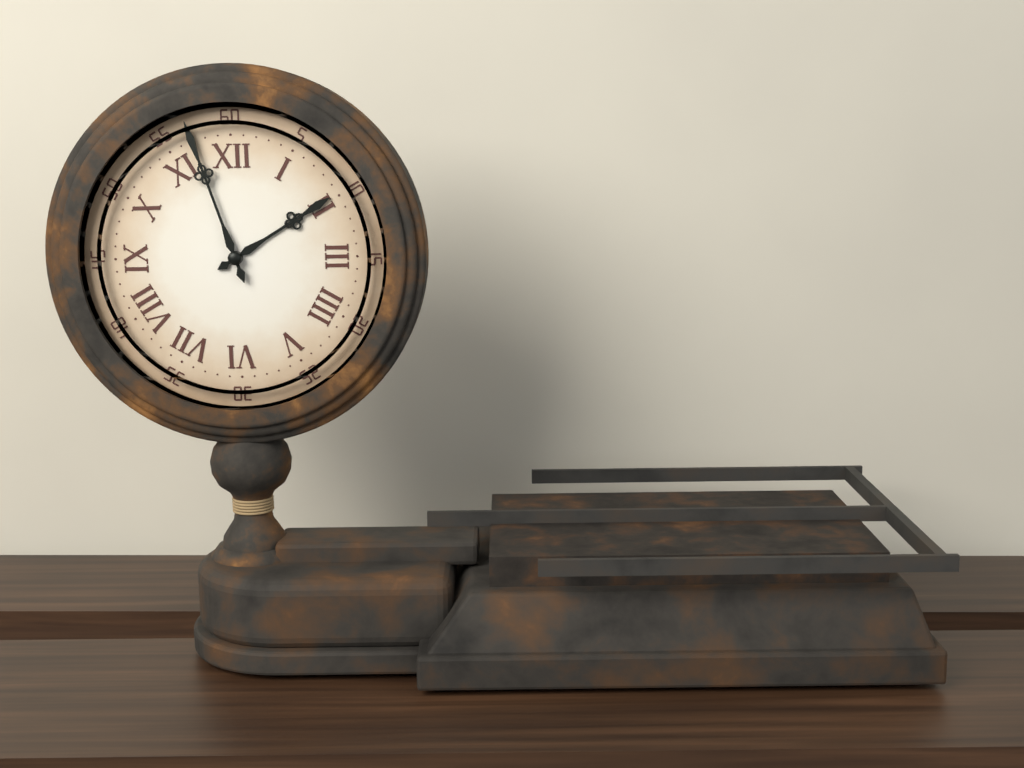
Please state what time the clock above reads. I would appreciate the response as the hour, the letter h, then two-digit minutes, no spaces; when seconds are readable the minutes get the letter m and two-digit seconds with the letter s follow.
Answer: 1h57
